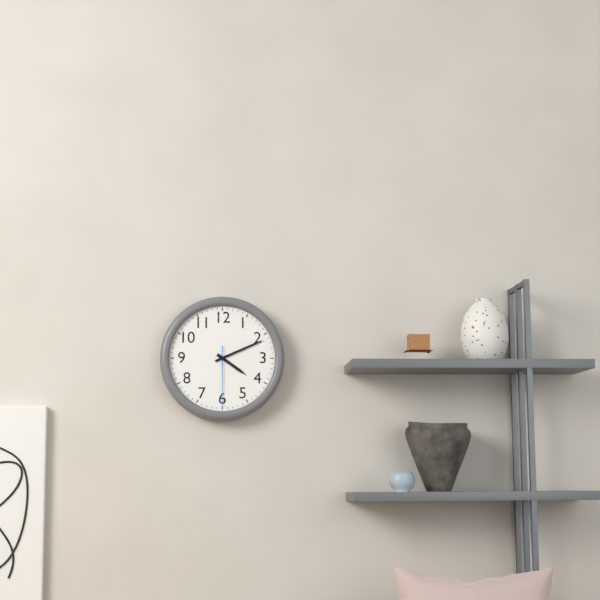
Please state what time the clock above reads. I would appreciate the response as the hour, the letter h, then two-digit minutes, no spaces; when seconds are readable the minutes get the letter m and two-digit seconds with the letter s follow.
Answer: 4h11m30s
